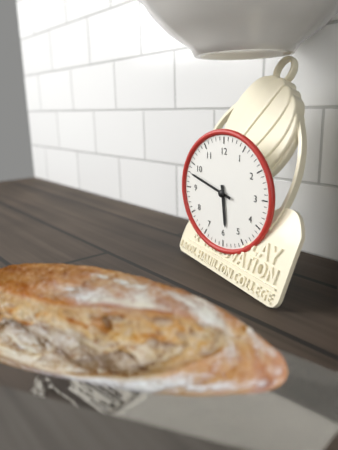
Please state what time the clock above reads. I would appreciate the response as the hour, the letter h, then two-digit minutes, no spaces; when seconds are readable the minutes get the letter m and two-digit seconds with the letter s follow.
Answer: 5h48
